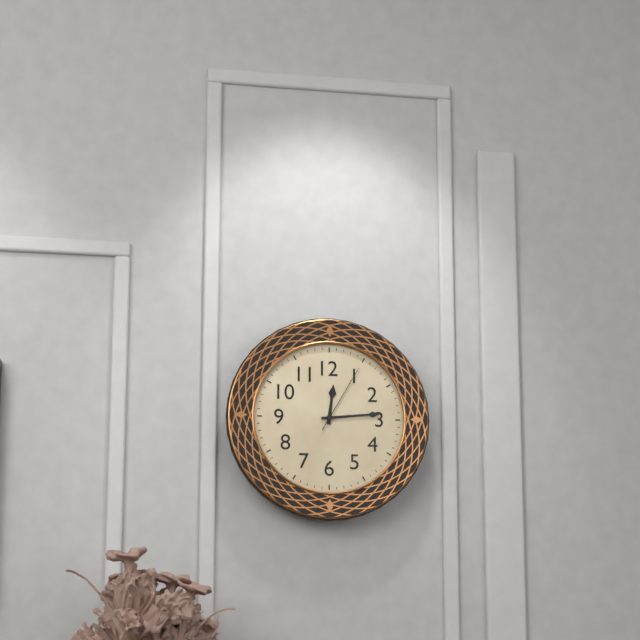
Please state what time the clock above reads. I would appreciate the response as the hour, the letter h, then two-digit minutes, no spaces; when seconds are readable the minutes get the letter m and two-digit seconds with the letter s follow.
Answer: 12h14m05s
